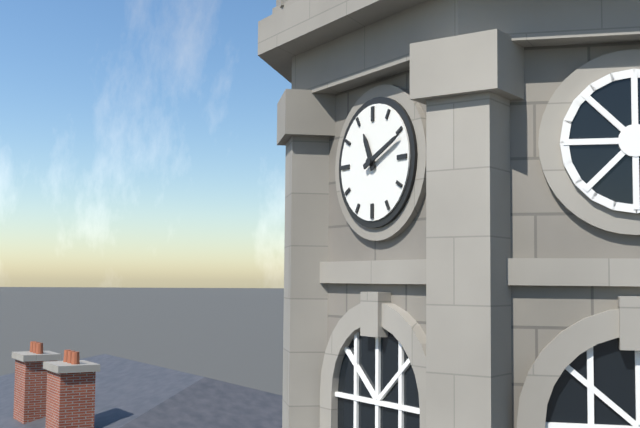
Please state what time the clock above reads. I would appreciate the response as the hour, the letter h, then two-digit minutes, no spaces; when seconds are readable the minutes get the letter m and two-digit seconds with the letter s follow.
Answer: 11h11
